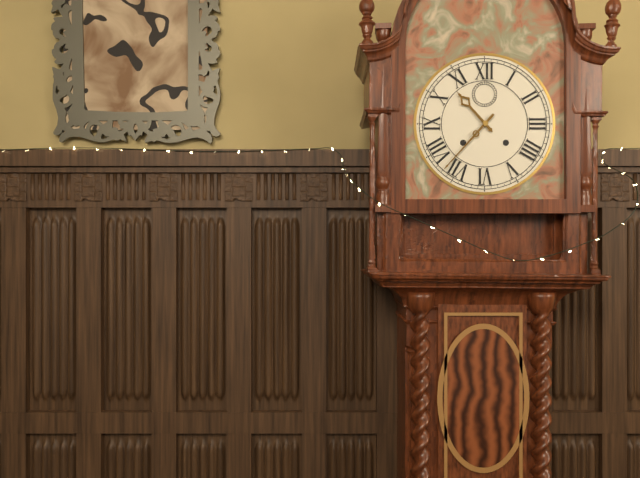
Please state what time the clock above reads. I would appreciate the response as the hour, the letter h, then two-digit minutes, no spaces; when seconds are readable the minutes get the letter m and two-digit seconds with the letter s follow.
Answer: 10h37
